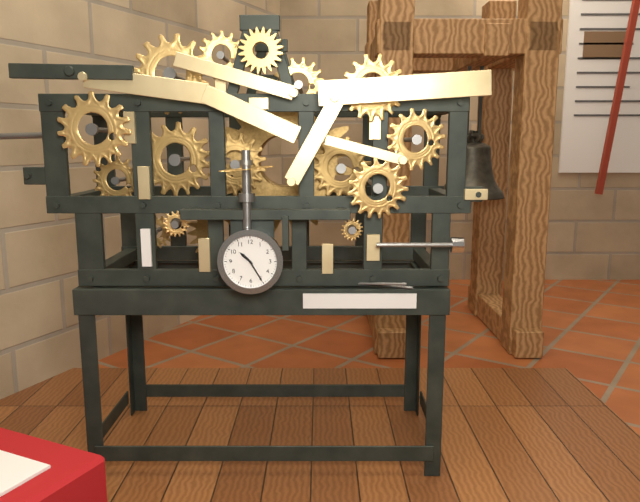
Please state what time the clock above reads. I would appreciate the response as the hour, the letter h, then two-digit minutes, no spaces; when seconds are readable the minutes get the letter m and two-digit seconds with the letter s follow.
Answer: 10h25
